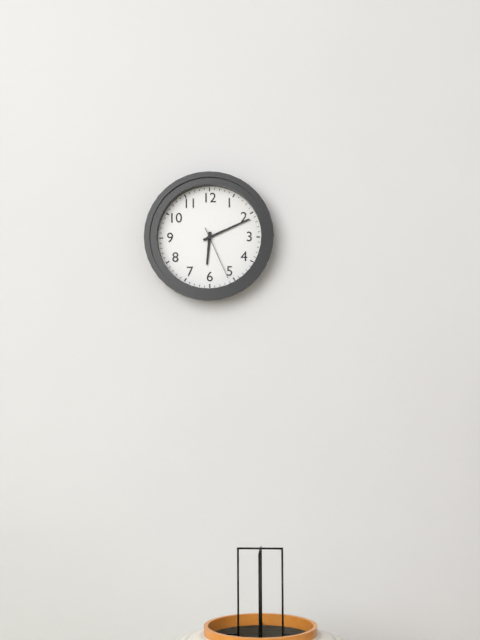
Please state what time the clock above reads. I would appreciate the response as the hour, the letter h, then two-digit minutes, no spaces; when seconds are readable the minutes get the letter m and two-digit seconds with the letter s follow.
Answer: 6h11m26s
